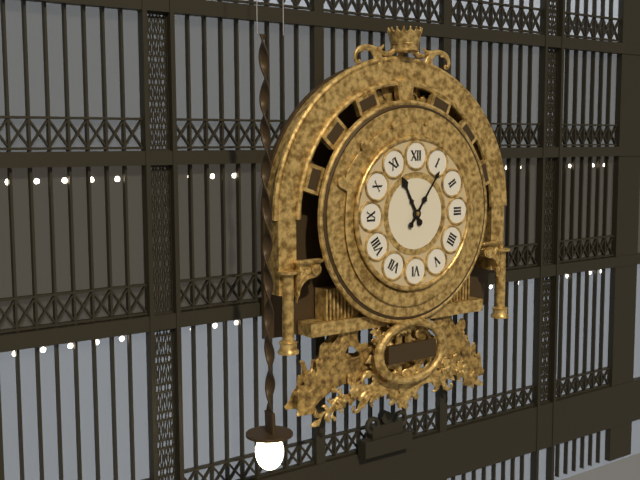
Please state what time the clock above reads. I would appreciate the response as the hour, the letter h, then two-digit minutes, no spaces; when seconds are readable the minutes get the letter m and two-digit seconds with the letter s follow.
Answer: 11h06
